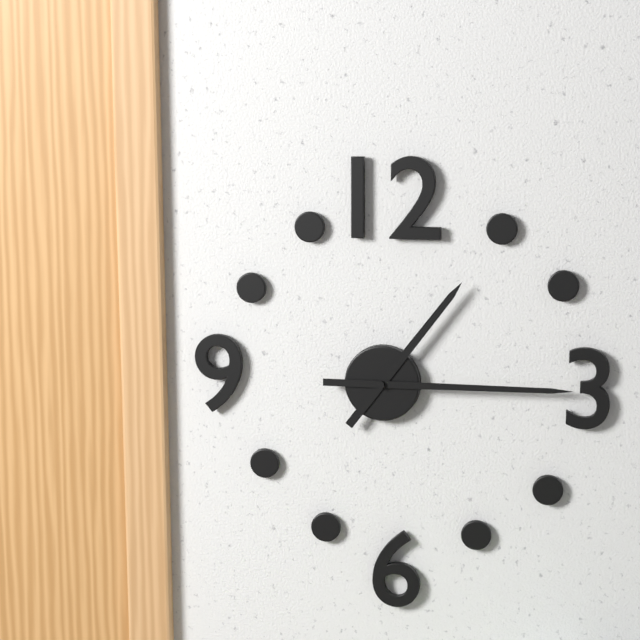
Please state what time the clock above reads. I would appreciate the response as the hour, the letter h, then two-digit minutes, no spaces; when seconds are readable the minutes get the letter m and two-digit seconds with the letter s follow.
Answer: 1h15
